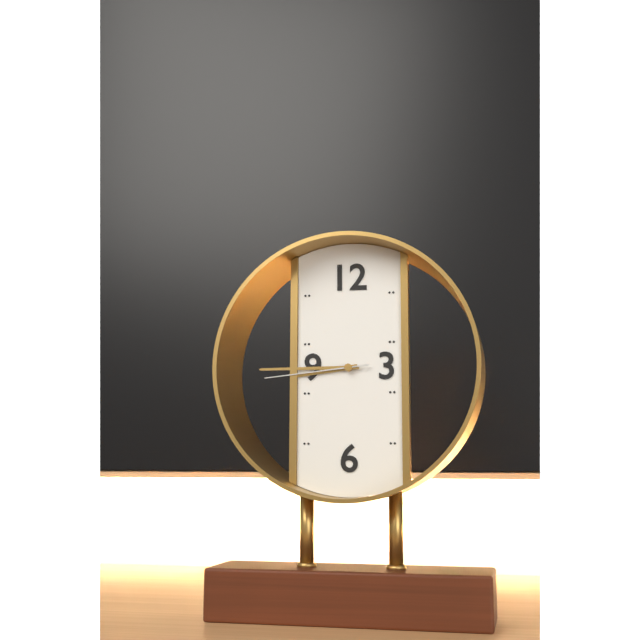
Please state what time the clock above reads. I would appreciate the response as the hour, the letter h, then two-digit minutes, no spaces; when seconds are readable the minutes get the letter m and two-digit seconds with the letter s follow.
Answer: 8h45m44s
